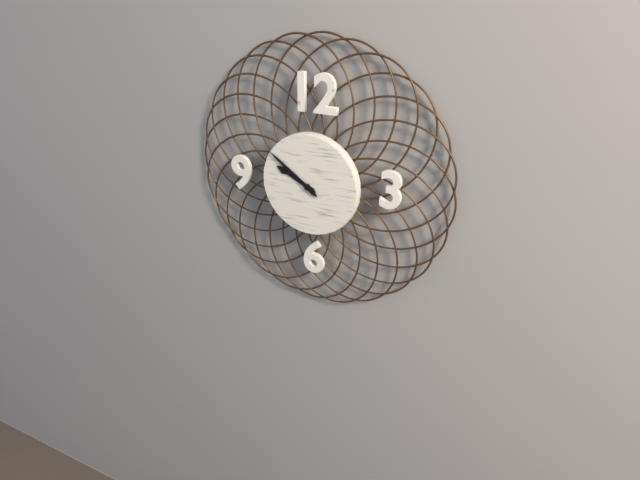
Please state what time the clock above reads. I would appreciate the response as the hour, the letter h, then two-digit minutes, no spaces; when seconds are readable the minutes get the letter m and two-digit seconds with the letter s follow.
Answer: 9h51
